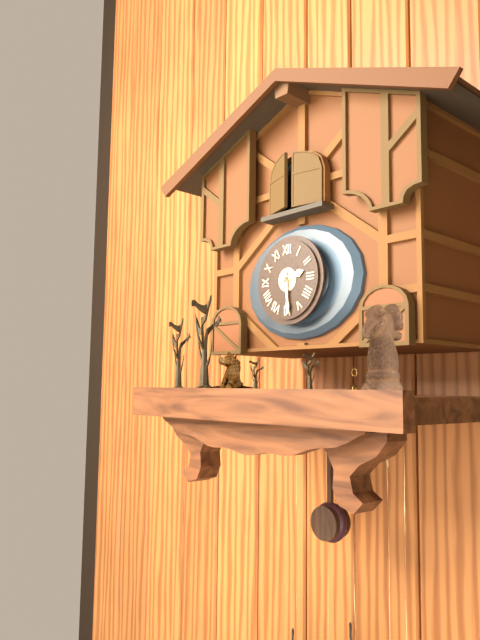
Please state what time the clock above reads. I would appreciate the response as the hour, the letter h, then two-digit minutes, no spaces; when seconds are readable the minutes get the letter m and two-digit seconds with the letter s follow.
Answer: 2h29
